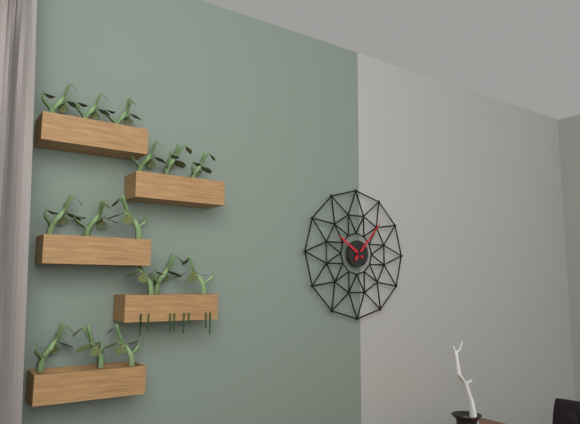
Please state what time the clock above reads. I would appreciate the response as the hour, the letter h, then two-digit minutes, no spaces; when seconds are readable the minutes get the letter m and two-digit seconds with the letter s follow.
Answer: 10h07
